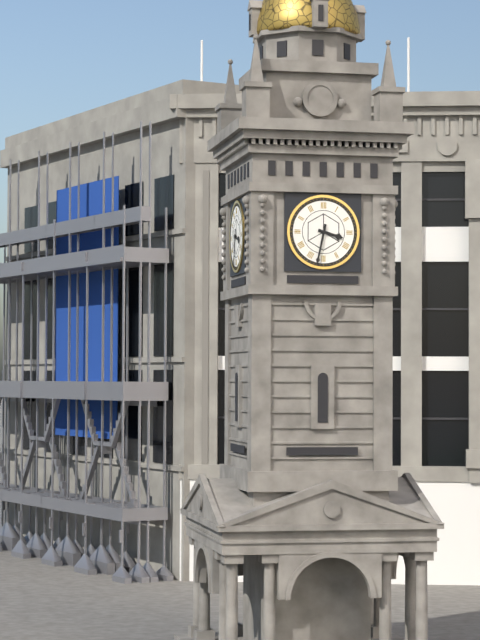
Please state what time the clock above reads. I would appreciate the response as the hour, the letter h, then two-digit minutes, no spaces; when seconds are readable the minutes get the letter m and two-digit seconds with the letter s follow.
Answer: 3h32
